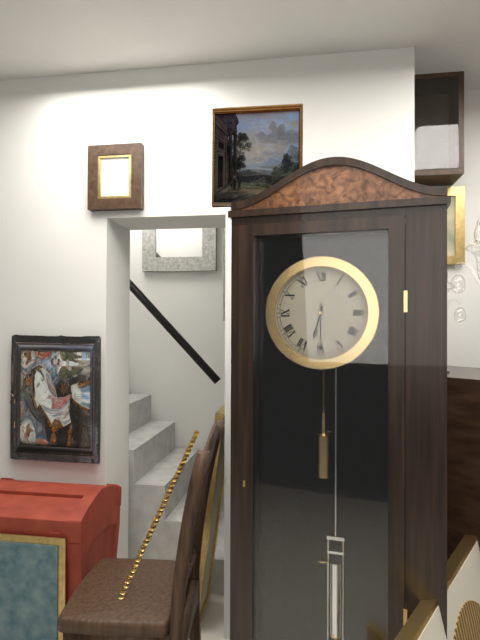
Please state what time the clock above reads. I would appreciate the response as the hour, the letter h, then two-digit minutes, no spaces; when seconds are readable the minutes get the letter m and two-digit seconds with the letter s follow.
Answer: 6h30
